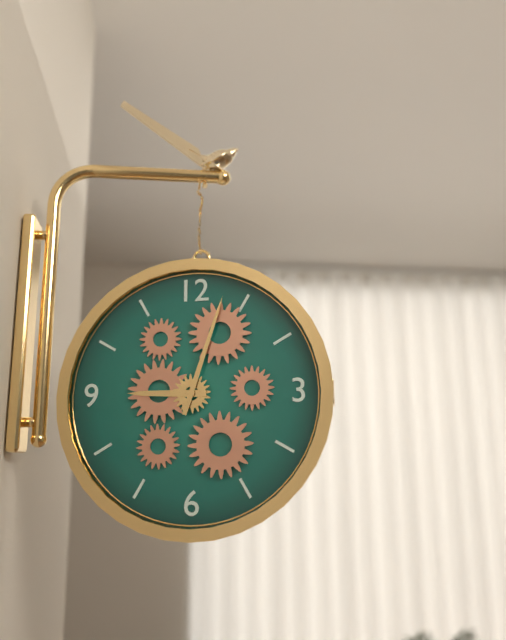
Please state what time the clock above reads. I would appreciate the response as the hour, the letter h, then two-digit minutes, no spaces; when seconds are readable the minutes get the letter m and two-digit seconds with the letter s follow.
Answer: 9h03
